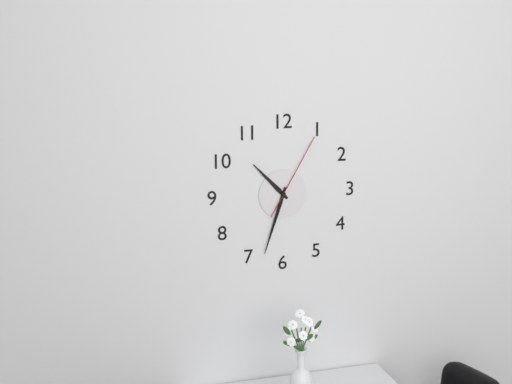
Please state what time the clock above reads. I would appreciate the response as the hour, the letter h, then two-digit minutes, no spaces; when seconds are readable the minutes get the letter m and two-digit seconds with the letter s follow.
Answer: 10h33m05s
